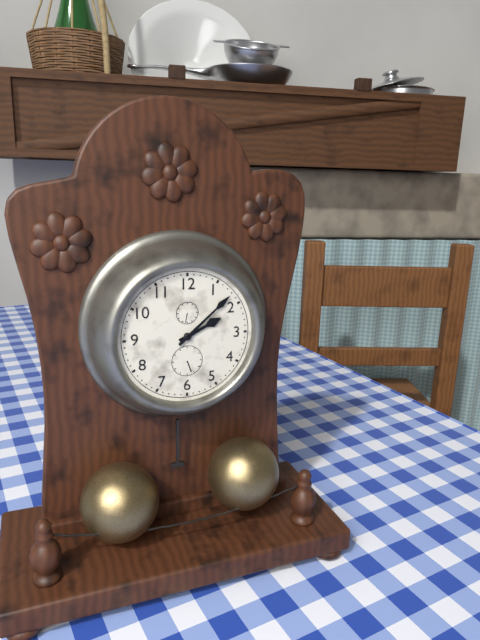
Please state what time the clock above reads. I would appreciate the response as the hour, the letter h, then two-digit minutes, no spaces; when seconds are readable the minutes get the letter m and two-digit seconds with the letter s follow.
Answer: 2h08
